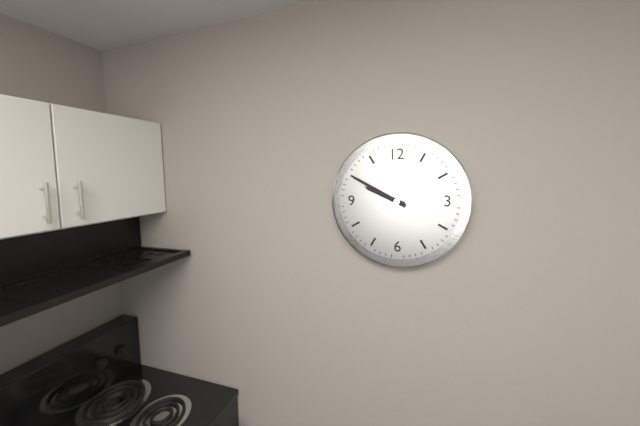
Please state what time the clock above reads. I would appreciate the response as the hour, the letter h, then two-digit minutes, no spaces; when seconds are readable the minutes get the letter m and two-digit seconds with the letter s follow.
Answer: 9h50
